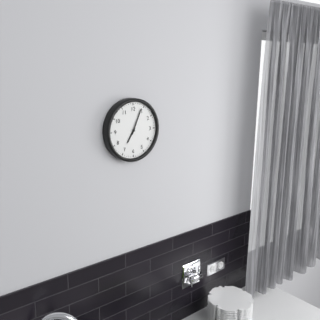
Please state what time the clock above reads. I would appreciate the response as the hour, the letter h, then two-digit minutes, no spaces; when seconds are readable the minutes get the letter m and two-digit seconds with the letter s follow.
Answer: 7h04
